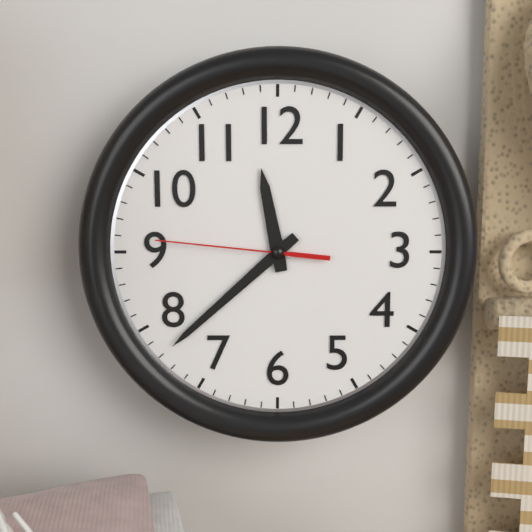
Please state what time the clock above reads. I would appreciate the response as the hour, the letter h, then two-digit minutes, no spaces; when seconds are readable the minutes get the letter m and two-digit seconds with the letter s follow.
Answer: 11h38m46s
